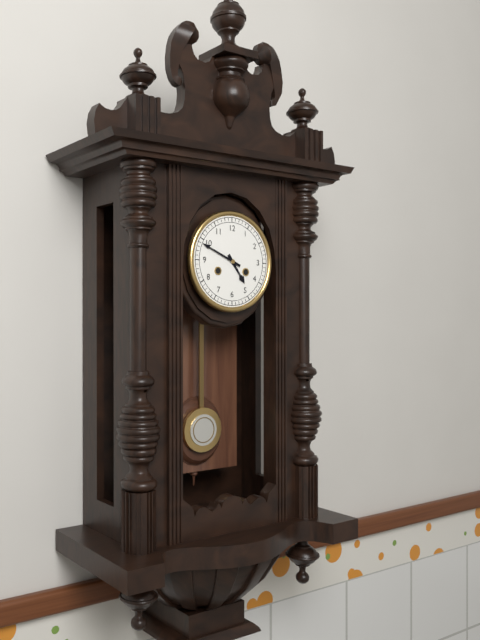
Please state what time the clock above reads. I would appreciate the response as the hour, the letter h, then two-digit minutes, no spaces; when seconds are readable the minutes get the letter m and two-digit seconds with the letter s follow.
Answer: 4h49
